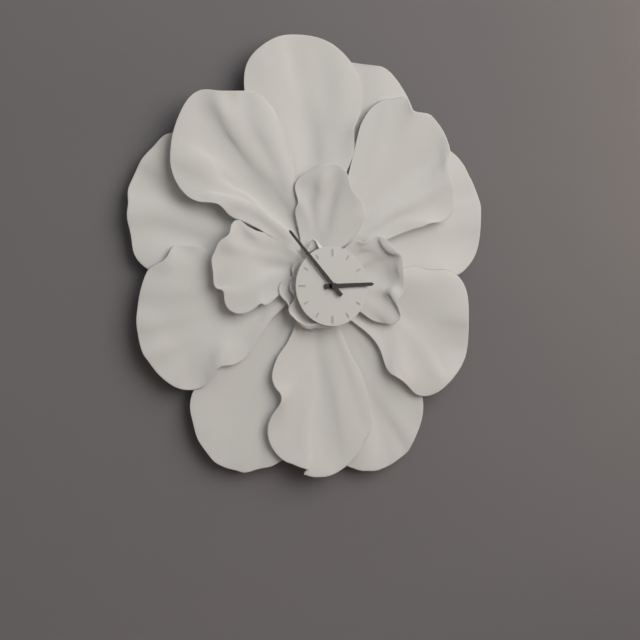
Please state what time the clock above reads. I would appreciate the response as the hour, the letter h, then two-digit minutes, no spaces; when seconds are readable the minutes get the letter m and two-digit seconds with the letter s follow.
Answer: 2h53
